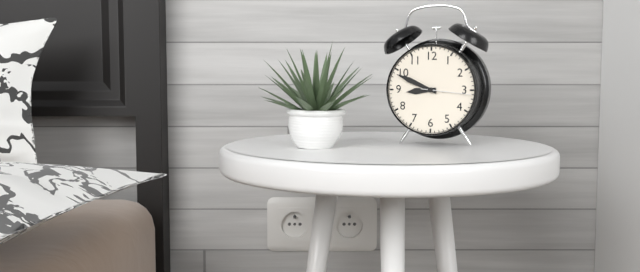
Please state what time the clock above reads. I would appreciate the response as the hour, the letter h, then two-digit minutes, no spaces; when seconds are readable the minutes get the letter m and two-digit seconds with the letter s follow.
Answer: 8h49
